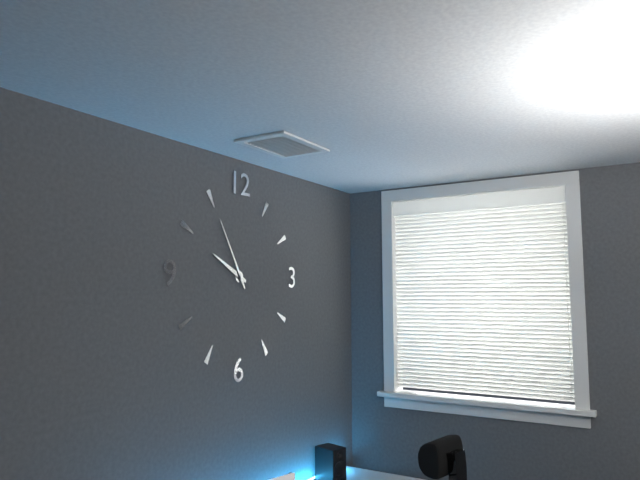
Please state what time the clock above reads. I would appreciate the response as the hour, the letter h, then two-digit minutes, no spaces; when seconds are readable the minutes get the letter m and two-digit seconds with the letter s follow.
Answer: 9h55
